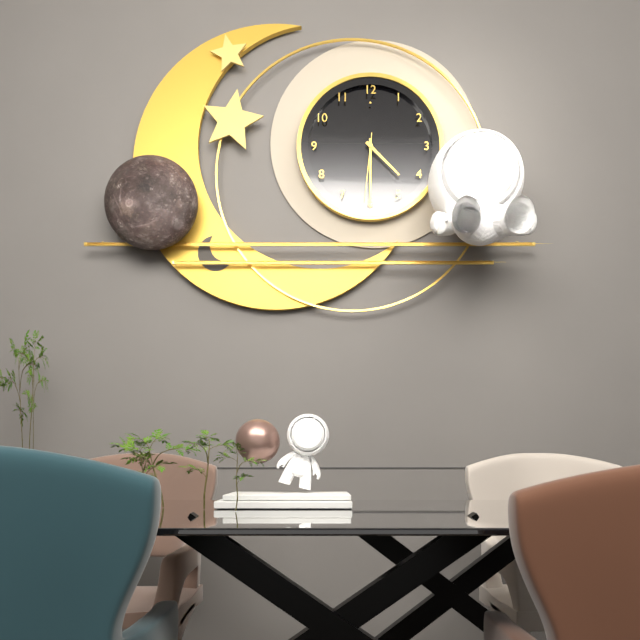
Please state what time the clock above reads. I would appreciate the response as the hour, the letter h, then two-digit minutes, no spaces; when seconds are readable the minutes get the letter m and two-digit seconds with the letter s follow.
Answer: 4h30m31s
